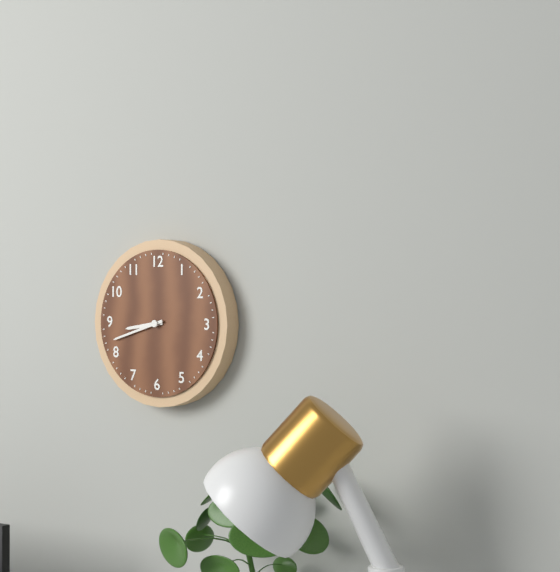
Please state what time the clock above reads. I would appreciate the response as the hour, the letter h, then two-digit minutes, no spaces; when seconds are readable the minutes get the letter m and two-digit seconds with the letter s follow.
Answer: 8h42
